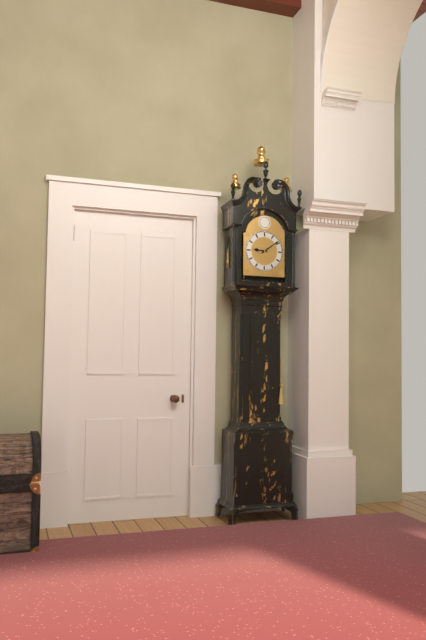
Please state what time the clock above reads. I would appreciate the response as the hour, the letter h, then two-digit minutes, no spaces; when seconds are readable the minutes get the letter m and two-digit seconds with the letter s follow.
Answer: 9h09
